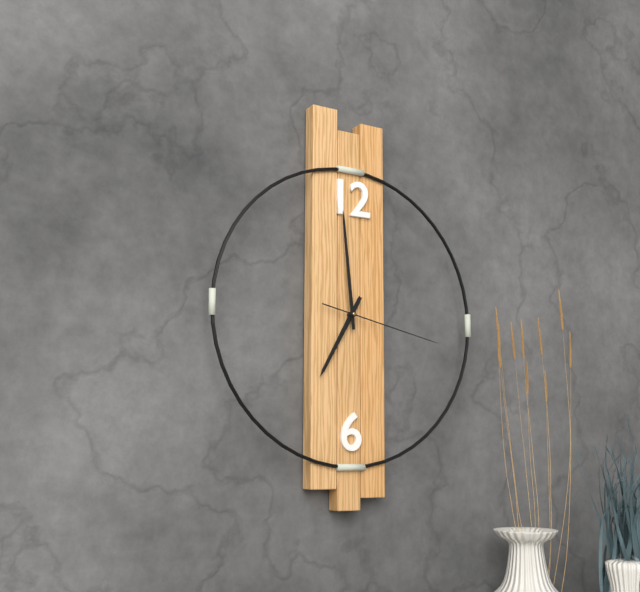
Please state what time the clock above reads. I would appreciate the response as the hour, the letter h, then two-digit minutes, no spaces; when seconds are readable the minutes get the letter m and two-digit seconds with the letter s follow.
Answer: 6h59m17s
